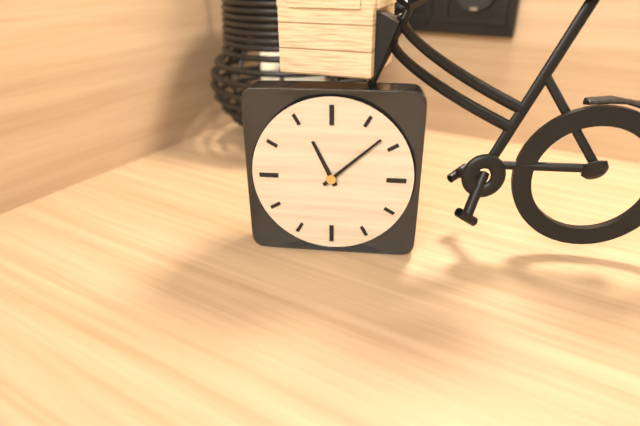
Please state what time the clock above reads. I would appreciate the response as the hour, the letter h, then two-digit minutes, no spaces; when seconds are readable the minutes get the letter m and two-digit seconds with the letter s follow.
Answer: 11h08
